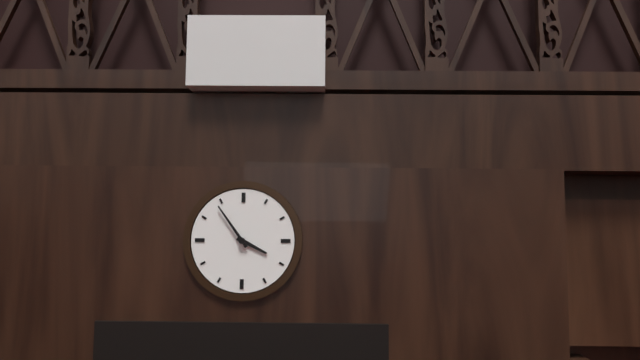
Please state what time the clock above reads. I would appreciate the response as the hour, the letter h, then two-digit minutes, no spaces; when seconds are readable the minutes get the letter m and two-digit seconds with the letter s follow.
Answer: 3h54
